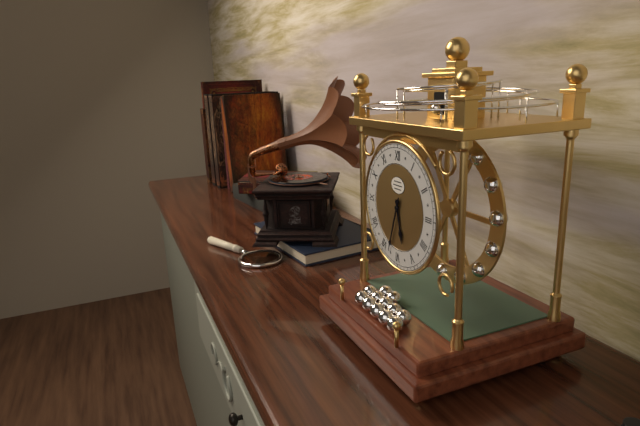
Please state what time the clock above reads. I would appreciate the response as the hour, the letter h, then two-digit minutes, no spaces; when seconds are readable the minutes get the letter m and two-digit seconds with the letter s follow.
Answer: 5h33
